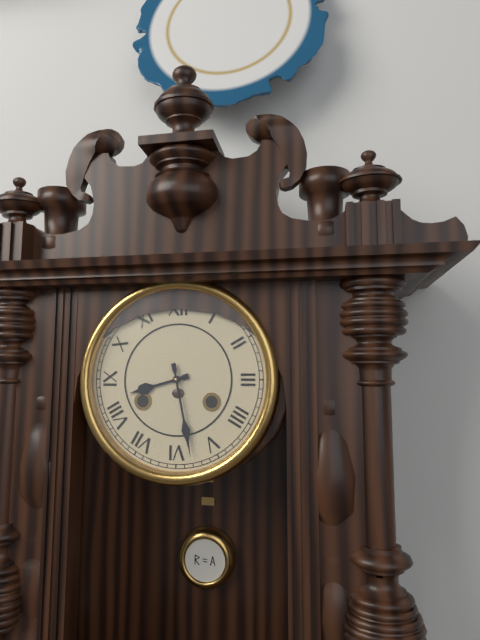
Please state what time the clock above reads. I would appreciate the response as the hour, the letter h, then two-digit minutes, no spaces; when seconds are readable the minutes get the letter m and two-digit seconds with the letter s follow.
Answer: 8h28
